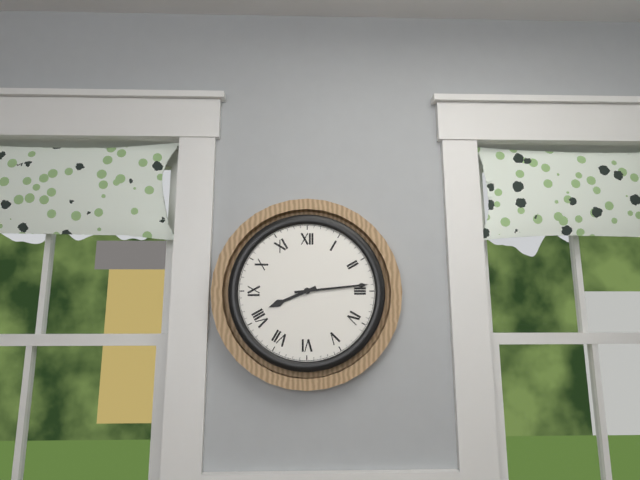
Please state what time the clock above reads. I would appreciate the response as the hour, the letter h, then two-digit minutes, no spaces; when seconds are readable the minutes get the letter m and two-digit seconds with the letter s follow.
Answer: 8h14
